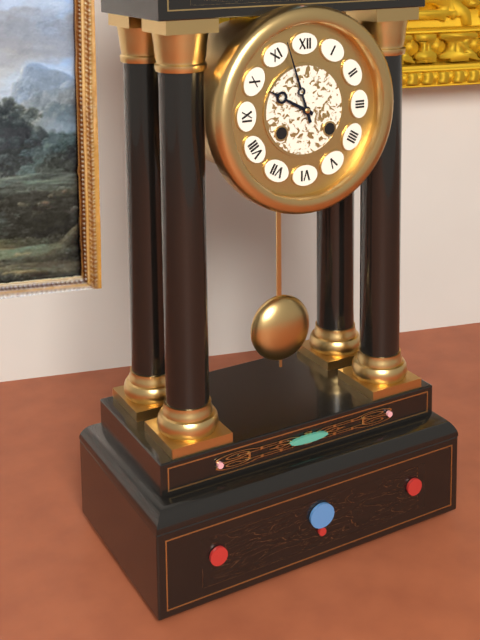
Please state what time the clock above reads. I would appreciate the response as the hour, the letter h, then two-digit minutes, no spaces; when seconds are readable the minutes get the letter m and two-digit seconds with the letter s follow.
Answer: 9h57
